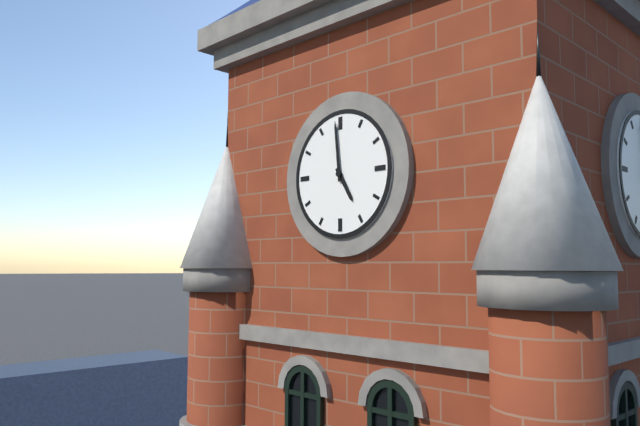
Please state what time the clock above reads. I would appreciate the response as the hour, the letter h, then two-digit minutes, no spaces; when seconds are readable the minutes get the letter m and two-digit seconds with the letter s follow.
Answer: 4h59
